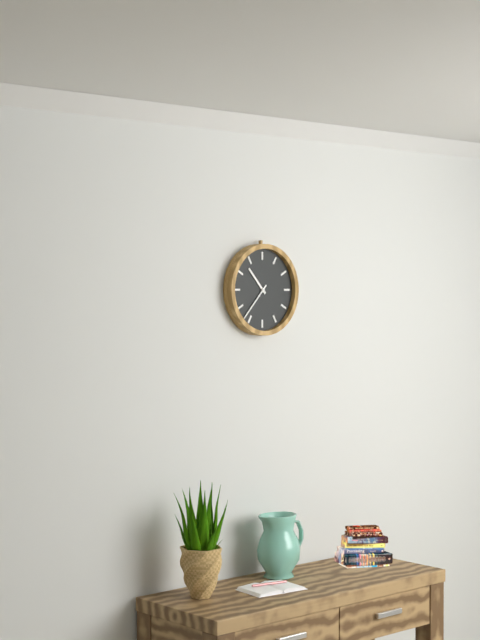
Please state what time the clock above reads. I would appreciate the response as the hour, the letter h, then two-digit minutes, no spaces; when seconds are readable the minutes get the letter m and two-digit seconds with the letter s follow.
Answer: 10h37
